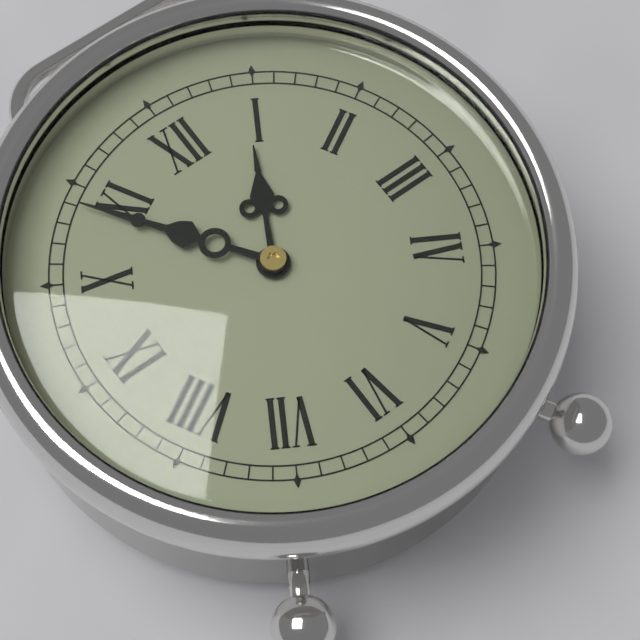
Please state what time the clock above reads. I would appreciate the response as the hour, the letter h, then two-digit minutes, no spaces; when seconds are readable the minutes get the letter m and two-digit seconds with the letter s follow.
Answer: 12h54
